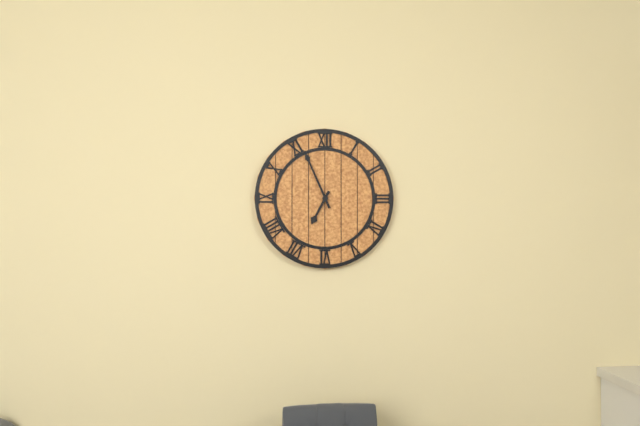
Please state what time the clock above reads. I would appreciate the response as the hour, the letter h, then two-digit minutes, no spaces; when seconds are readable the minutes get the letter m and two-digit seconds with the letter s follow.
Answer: 6h56
